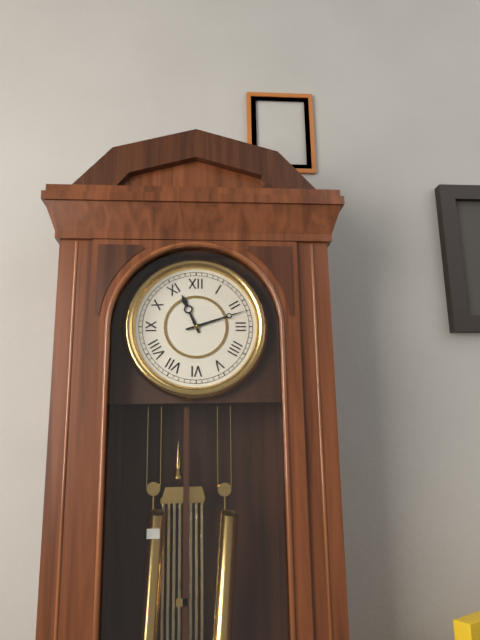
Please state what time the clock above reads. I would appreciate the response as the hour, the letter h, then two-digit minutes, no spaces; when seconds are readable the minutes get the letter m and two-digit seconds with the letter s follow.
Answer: 11h12
